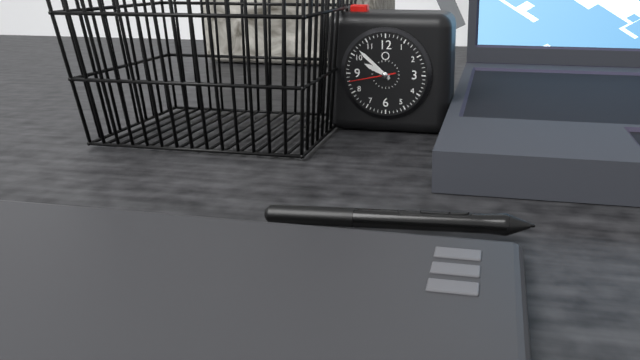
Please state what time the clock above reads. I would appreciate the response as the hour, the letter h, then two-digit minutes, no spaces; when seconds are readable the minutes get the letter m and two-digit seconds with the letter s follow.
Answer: 9h52
